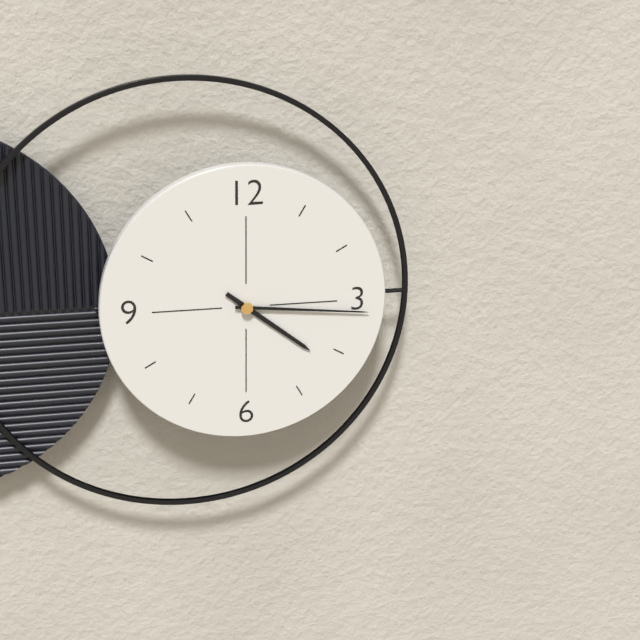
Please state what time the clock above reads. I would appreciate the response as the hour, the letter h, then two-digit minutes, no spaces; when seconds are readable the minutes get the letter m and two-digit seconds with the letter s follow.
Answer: 4h16
